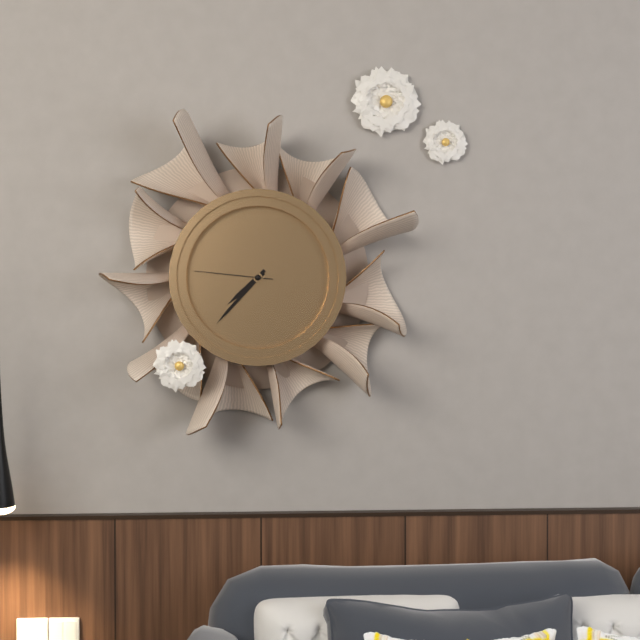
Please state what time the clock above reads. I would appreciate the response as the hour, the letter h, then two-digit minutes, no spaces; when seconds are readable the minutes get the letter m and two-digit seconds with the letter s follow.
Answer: 7h37m46s
